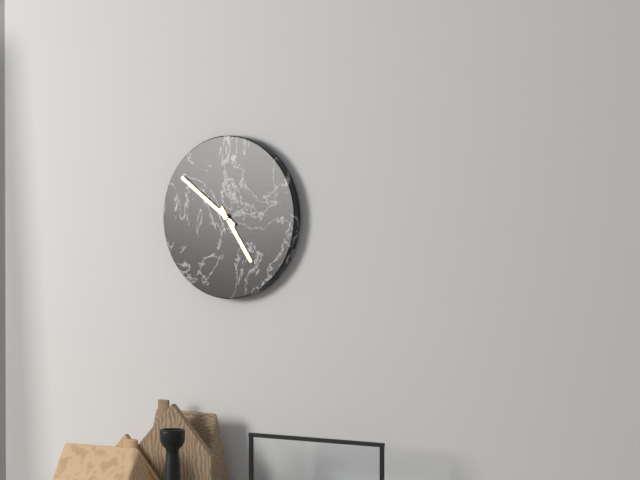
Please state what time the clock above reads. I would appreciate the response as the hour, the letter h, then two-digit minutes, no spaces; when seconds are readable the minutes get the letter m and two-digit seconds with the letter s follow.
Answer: 4h51
